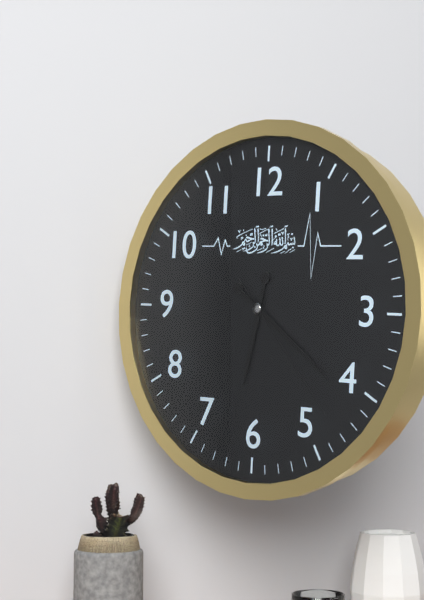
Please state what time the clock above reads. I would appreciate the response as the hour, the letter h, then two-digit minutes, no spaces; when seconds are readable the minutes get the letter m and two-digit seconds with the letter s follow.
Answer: 6h21m23s
